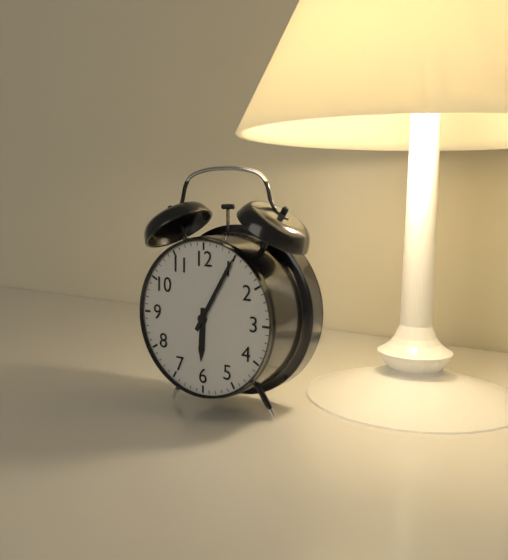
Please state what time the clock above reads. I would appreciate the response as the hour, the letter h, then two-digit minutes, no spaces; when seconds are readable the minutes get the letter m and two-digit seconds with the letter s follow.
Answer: 6h05
